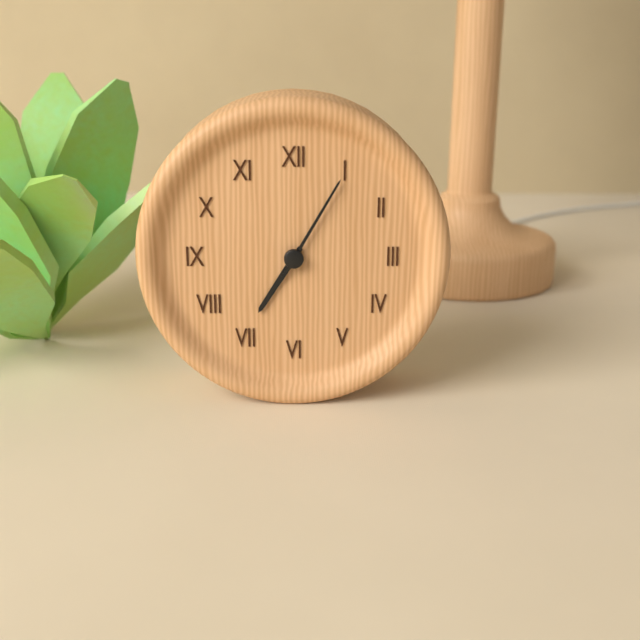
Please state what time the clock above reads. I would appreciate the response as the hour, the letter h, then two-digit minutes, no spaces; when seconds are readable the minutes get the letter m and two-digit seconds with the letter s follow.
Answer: 7h05
